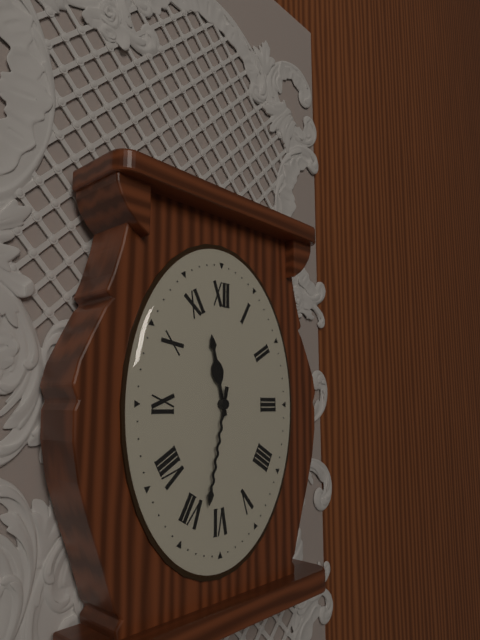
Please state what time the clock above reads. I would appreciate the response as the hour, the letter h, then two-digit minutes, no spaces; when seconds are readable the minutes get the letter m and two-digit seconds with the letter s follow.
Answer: 11h32
